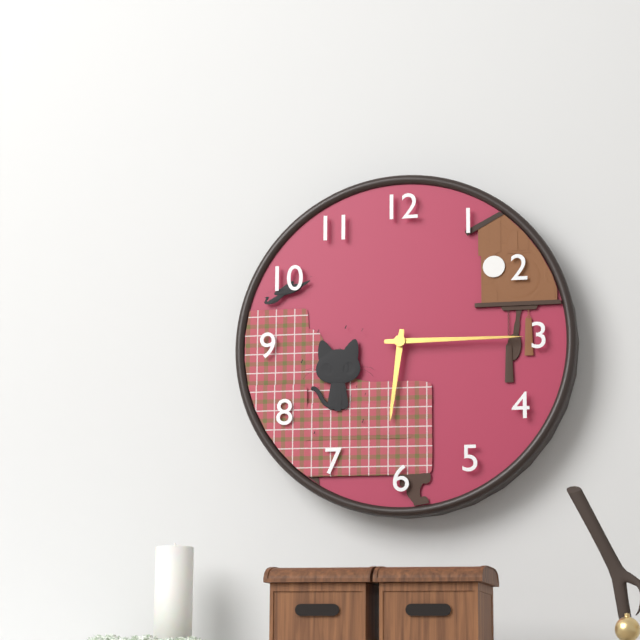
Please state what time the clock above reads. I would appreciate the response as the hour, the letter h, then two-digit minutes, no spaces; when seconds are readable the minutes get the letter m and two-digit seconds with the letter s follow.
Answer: 6h15
